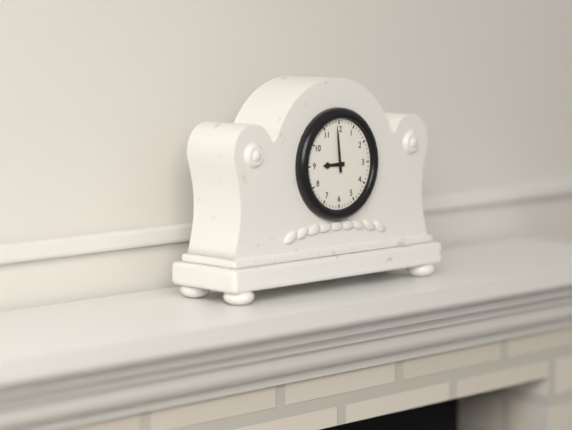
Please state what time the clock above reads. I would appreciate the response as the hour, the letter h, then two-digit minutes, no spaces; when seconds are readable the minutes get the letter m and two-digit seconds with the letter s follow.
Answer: 8h59
